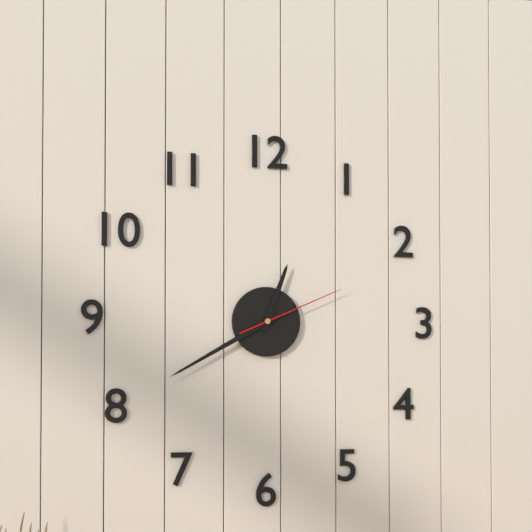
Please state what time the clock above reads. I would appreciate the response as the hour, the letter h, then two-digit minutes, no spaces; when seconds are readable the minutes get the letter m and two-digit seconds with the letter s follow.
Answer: 12h40m11s
